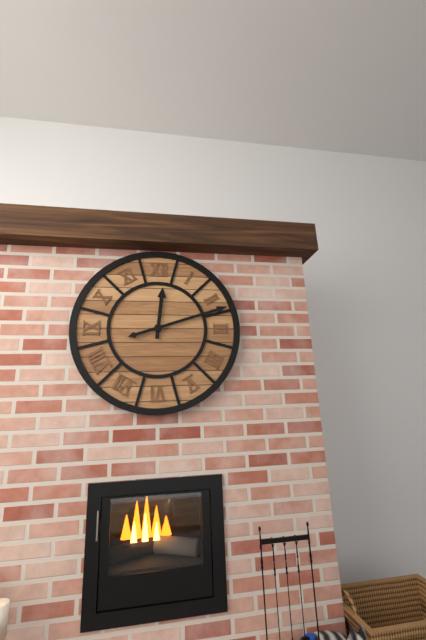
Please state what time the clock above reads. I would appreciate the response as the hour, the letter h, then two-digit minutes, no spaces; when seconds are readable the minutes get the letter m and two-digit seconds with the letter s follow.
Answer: 12h12
